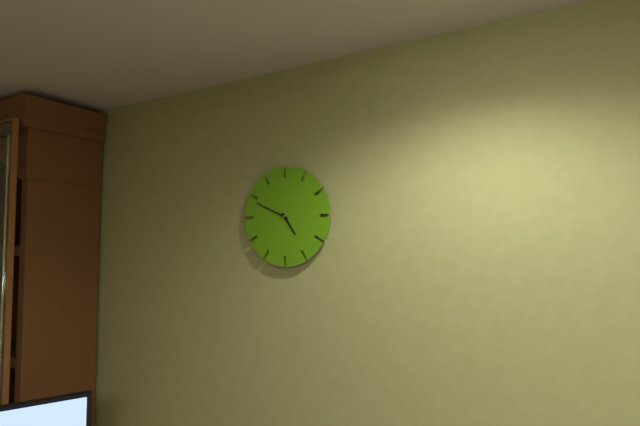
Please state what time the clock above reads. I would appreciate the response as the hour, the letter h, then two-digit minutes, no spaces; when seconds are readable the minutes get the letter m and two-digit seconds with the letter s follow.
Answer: 4h49
